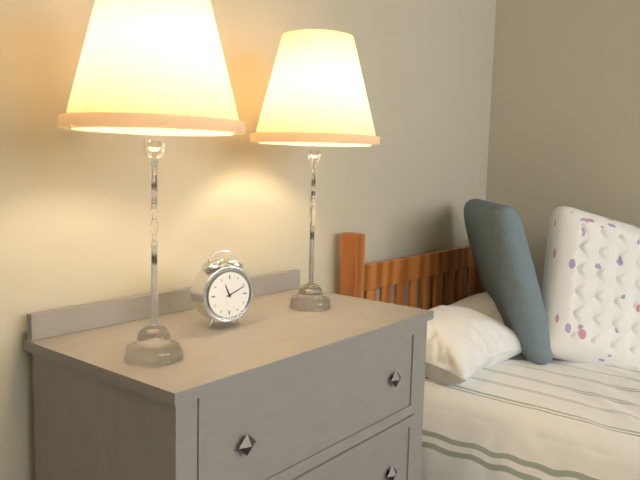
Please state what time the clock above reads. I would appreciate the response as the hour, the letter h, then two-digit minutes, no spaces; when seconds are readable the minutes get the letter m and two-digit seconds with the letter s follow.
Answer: 11h11
